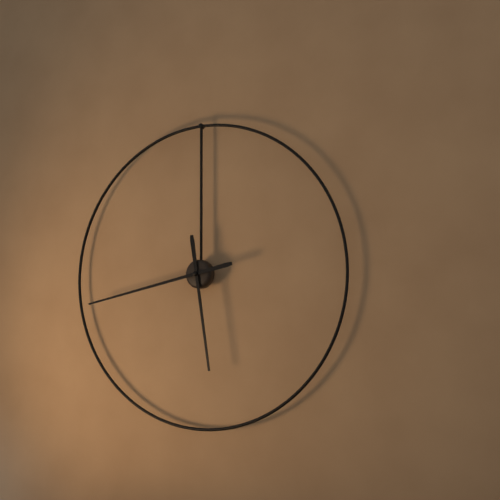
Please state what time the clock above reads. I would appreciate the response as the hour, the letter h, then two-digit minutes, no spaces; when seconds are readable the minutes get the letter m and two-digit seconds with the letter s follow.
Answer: 5h43
